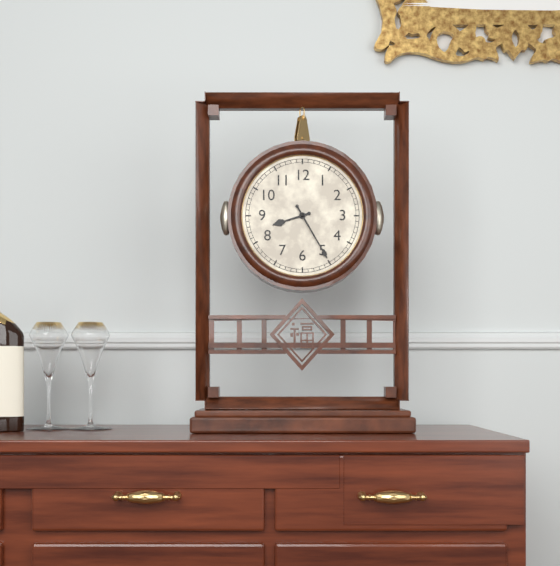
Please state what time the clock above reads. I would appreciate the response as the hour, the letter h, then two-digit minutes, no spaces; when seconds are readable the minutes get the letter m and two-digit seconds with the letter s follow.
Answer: 8h25
